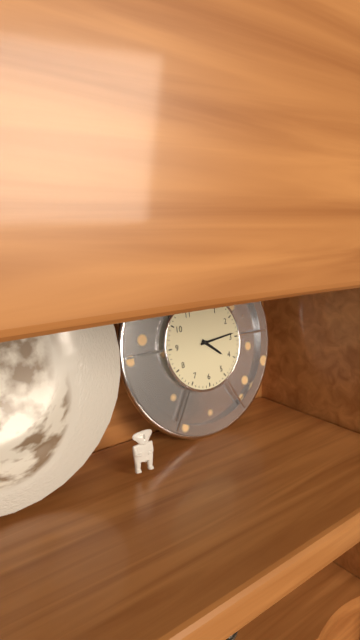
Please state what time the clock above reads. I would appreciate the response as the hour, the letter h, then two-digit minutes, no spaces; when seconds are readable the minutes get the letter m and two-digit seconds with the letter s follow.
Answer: 4h14
